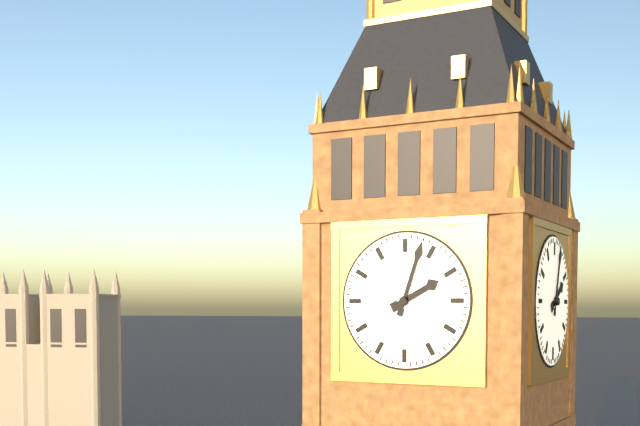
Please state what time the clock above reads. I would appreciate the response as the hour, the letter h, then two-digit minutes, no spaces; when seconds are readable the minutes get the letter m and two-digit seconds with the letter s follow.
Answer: 2h03
